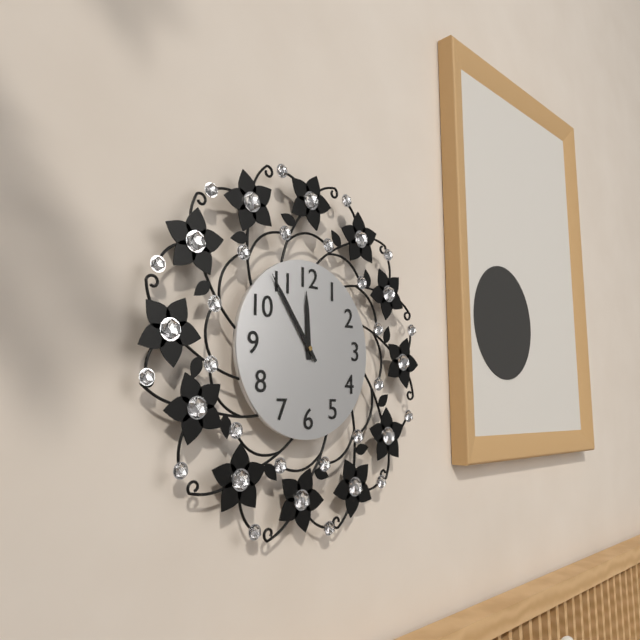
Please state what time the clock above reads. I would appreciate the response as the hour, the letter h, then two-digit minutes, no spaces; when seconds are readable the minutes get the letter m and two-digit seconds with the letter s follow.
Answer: 11h54
